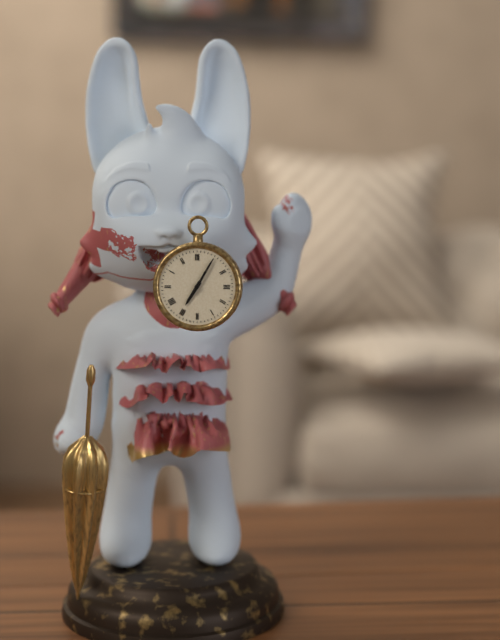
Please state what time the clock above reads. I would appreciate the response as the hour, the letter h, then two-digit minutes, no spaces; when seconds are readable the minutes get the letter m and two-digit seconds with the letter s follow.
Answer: 7h05
